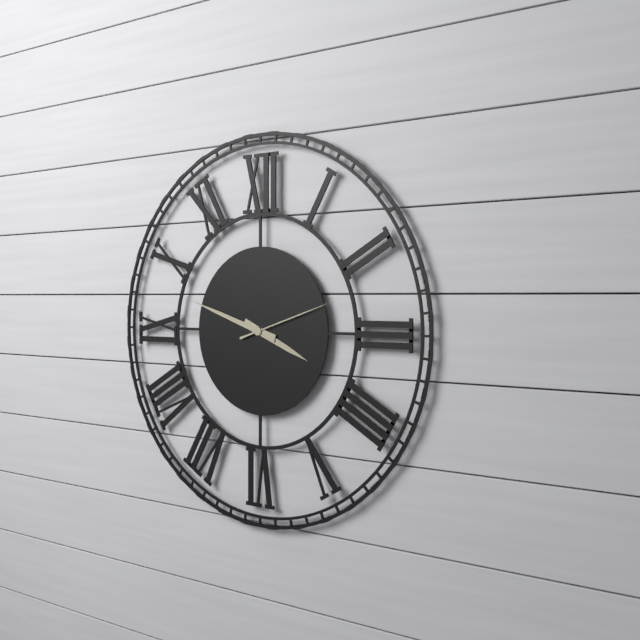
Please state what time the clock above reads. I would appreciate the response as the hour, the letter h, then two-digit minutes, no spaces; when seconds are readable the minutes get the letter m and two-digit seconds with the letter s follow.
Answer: 3h48m12s
